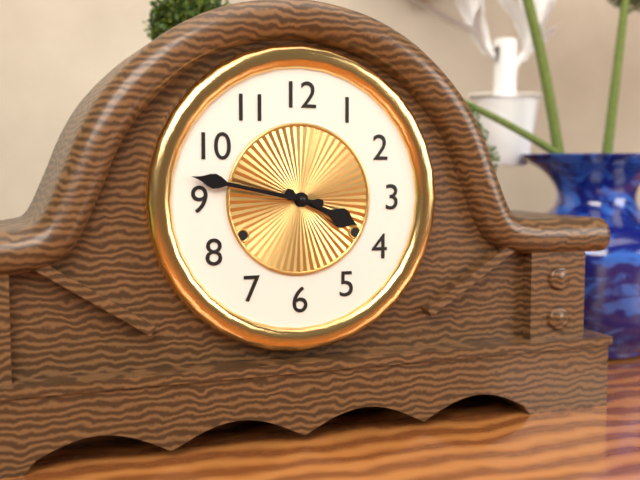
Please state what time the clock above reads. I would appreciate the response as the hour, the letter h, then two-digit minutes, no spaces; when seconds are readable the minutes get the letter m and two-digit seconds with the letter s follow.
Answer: 3h47
